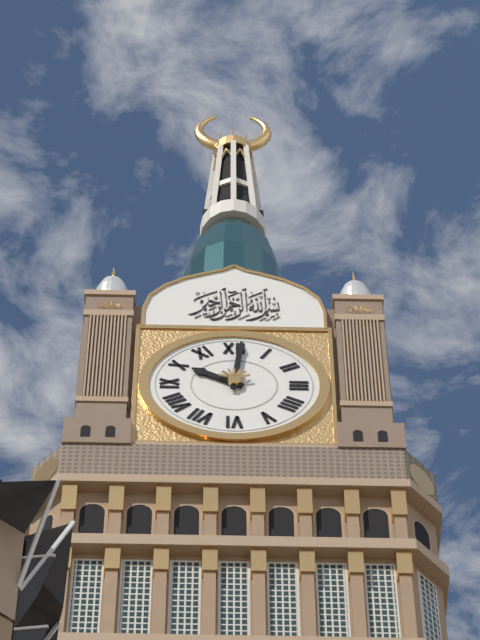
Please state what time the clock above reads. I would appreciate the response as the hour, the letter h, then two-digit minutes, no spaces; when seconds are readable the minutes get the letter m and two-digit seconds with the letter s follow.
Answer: 10h01
